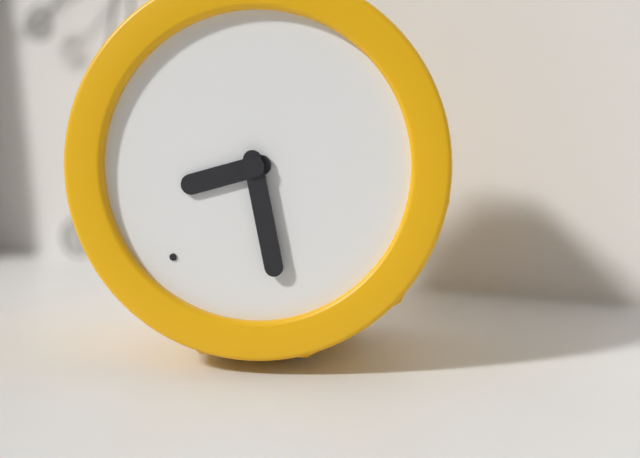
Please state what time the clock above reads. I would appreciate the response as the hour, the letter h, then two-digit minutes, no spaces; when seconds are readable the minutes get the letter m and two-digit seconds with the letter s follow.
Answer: 8h28
